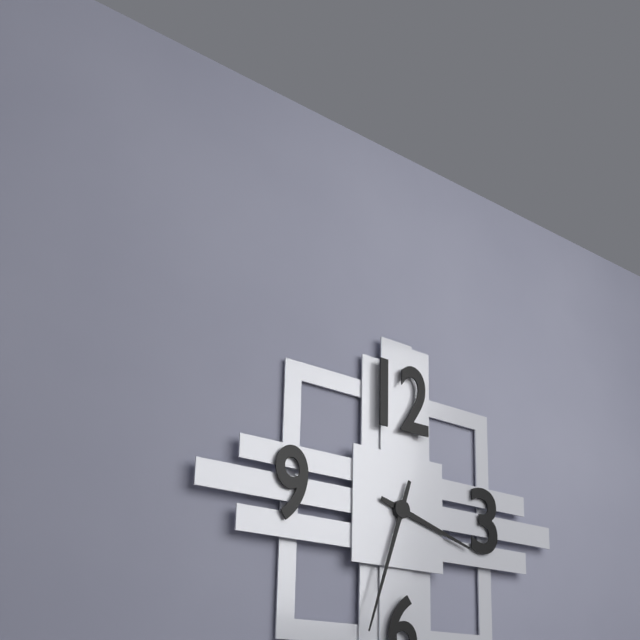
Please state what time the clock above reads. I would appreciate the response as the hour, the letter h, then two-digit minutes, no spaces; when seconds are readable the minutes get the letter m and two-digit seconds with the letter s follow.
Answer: 3h33
